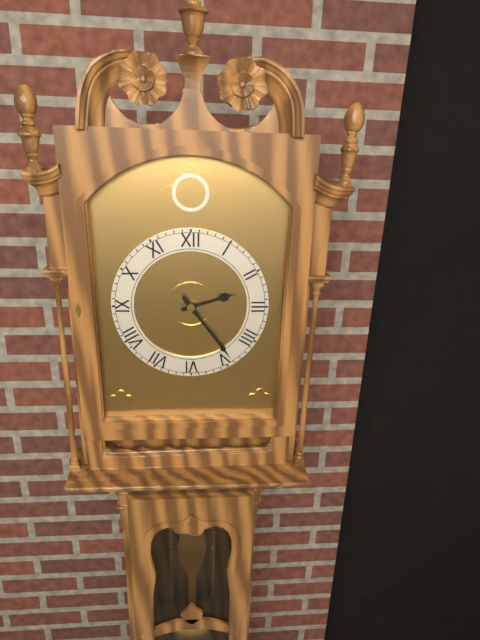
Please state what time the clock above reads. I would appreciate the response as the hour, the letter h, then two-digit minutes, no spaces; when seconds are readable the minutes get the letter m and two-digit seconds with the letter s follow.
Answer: 2h24
